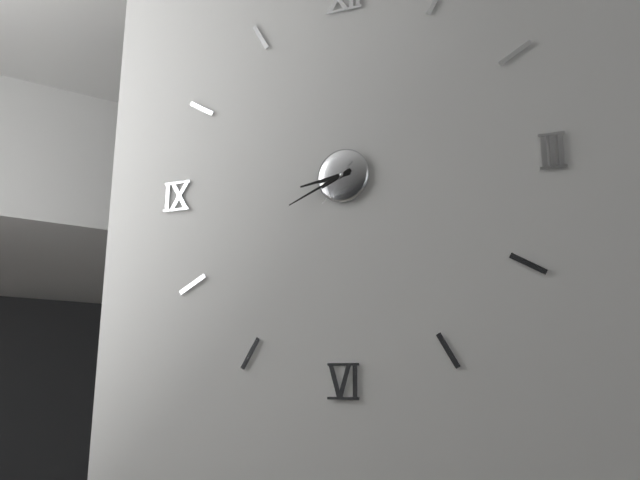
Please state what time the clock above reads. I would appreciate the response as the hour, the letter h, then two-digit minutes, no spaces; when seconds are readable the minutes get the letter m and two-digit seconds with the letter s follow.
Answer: 8h41
